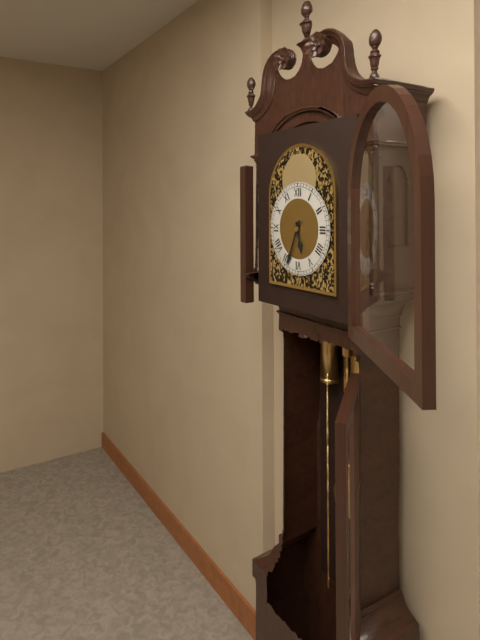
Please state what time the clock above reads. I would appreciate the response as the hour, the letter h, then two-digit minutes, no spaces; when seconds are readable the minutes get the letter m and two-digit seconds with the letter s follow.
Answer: 5h34
